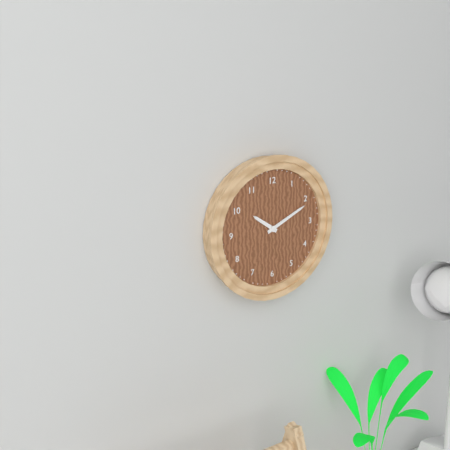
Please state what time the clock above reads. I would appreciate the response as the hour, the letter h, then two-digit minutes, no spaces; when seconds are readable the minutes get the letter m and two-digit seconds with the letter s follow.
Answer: 10h11
